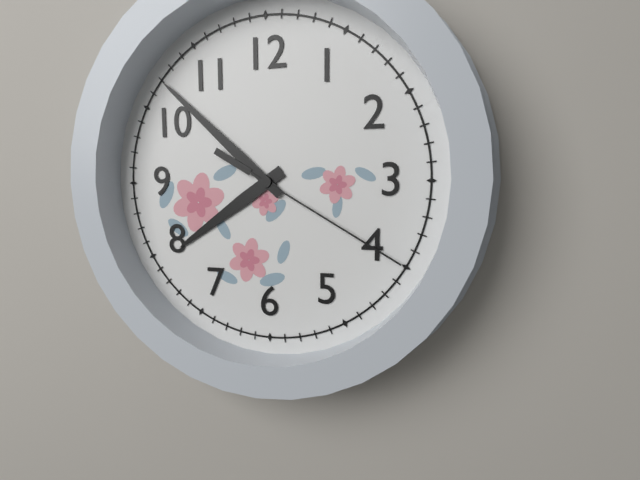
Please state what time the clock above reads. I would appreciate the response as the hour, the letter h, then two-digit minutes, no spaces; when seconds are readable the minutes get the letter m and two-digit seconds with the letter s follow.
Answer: 7h52m20s
